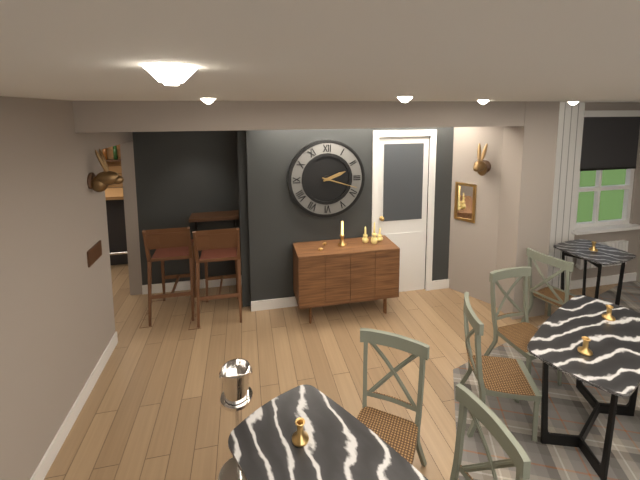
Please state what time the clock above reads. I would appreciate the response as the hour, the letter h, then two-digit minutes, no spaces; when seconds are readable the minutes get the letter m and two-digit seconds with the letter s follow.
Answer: 2h18
